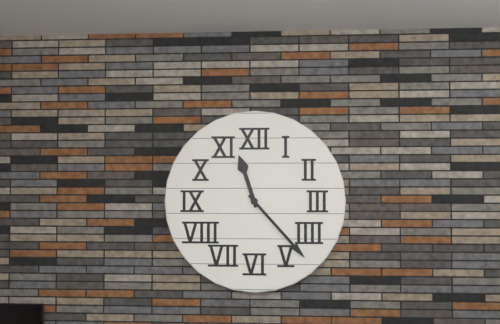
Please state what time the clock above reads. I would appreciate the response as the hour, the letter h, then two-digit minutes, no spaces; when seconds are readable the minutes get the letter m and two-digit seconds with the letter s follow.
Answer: 11h23
